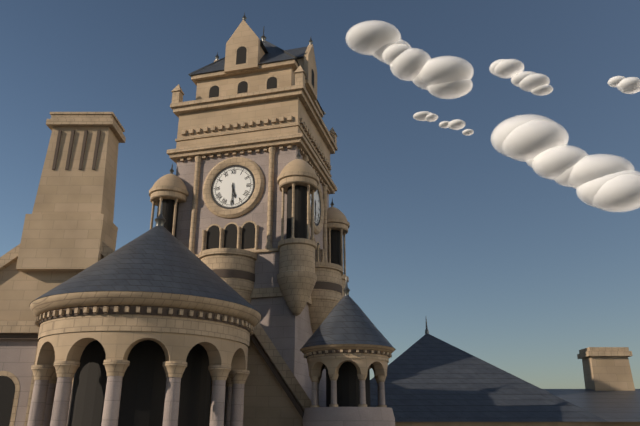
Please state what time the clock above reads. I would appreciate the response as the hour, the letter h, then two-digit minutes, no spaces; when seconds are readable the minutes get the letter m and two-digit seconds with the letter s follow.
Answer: 5h30
